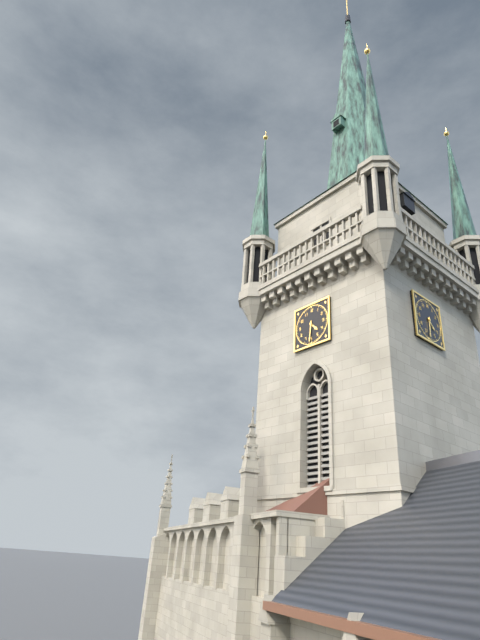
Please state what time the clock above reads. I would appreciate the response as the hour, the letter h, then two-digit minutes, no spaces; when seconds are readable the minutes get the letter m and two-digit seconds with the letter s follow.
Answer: 4h31
